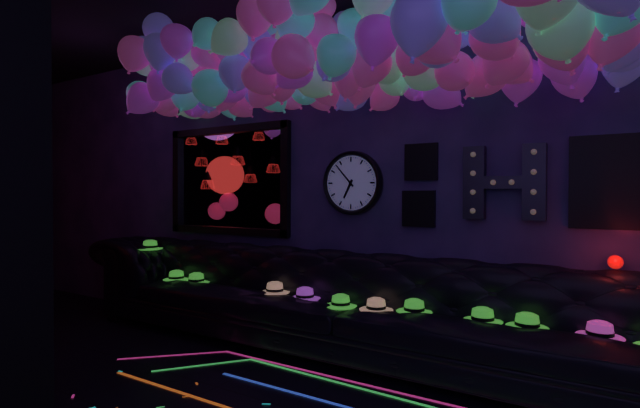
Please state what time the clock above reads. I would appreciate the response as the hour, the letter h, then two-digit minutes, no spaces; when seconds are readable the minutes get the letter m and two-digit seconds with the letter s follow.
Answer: 6h53
